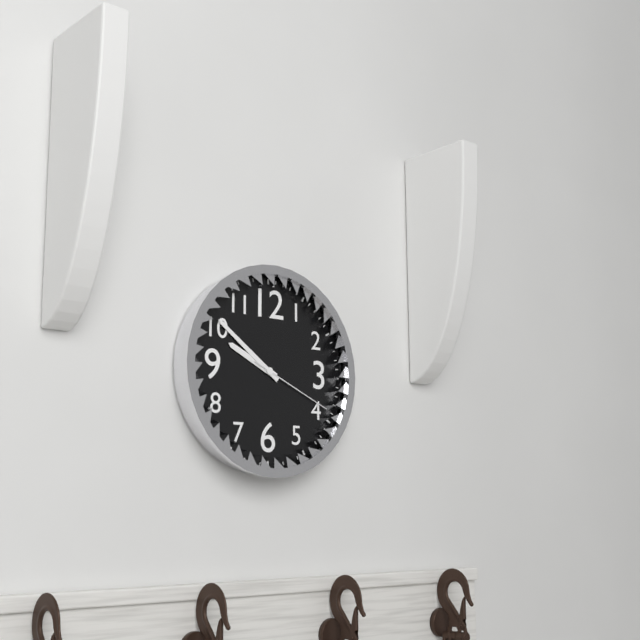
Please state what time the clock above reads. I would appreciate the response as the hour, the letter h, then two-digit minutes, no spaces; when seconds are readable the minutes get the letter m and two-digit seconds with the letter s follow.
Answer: 9h51m19s
